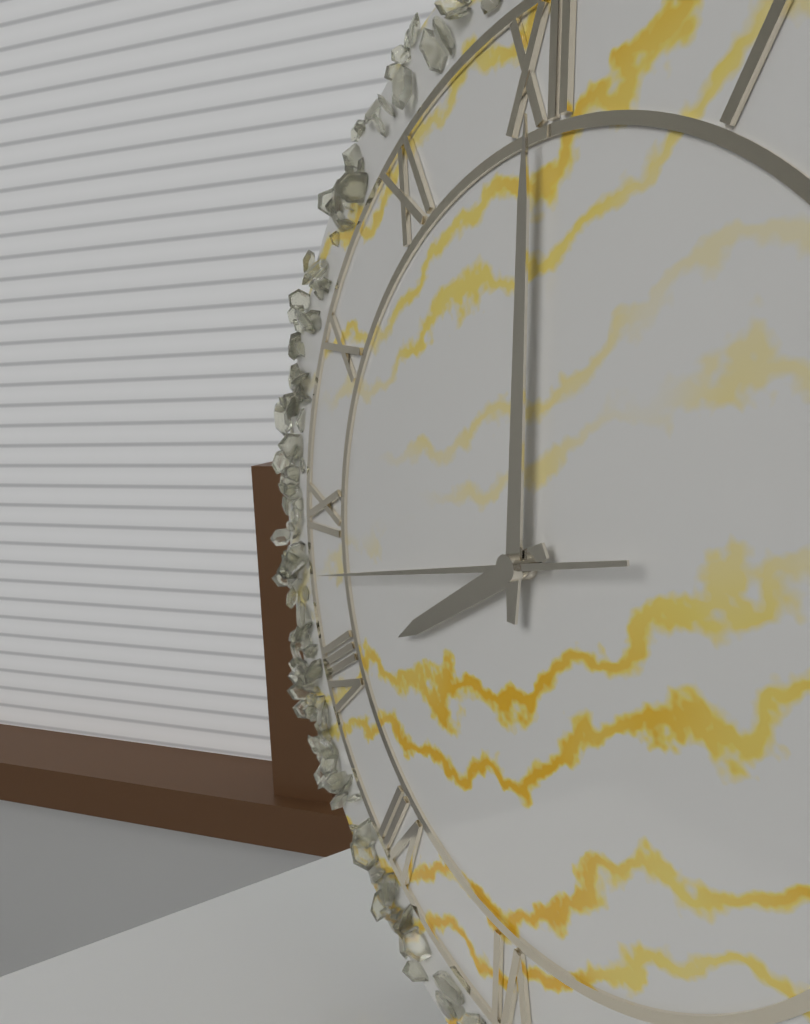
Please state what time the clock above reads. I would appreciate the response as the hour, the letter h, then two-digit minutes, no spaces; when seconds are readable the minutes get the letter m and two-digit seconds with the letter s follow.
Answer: 8h00m43s
